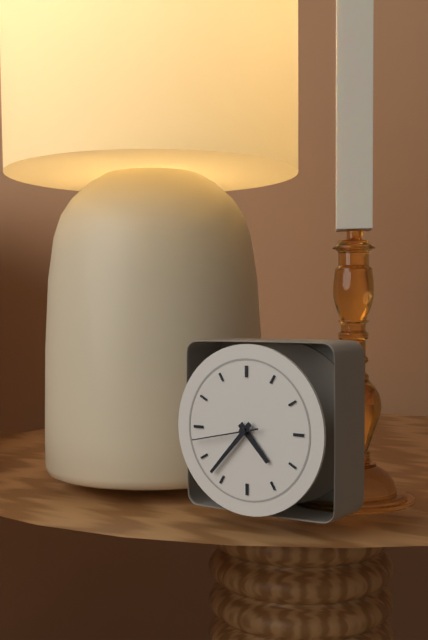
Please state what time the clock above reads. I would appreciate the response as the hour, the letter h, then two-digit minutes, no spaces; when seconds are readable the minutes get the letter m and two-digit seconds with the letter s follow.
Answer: 4h37m43s
